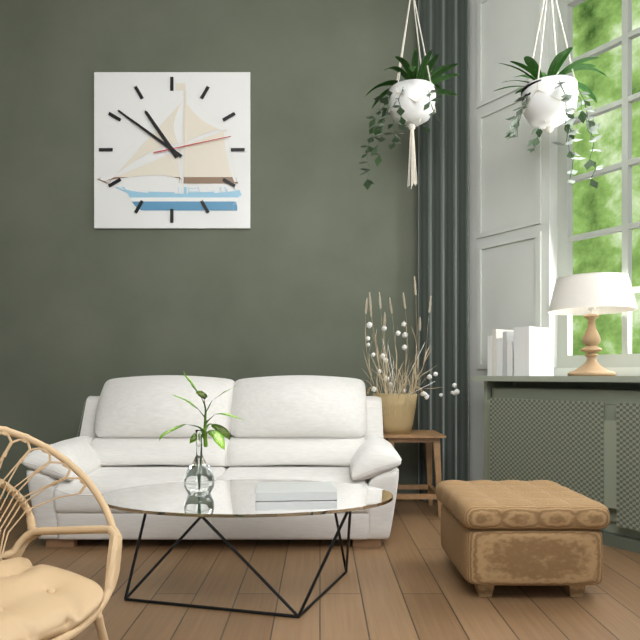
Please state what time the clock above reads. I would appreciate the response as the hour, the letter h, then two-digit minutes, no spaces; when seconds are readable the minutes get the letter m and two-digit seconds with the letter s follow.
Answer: 10h51m13s
